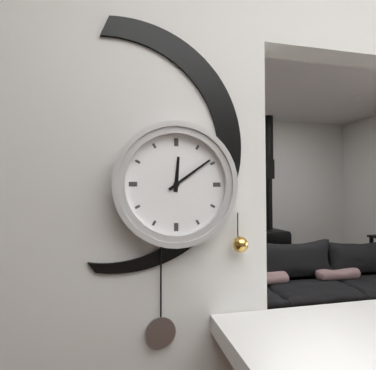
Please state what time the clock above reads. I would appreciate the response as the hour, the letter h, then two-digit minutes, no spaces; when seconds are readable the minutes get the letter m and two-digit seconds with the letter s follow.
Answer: 12h09
